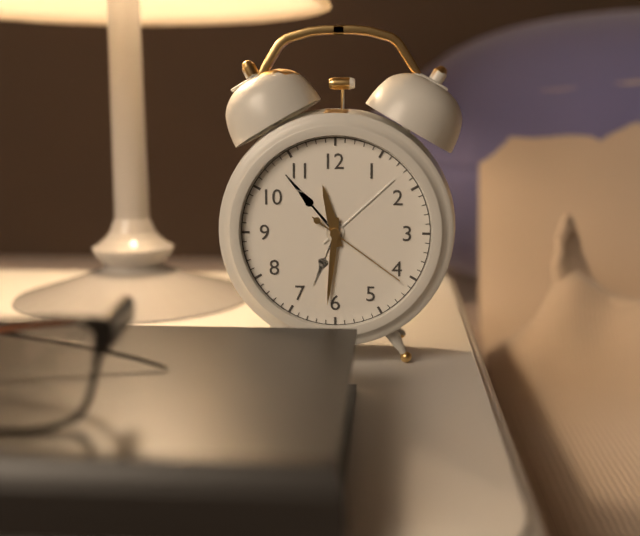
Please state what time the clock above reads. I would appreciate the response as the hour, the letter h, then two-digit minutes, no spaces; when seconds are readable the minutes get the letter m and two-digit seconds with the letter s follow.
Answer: 11h31m21s
